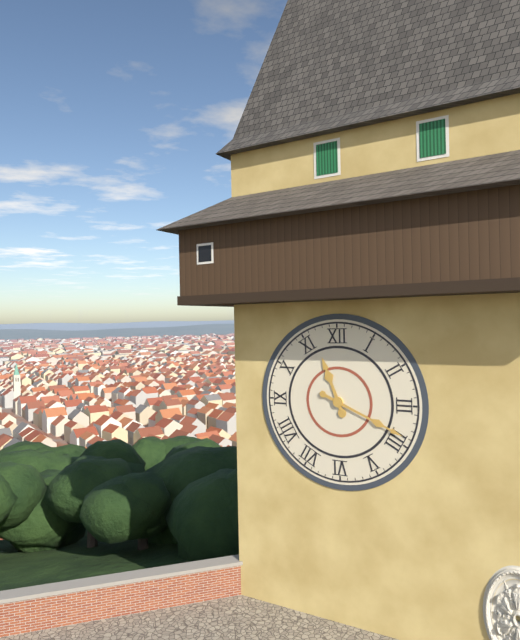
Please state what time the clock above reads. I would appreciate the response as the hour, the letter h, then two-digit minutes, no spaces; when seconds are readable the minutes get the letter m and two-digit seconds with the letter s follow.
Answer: 11h19
